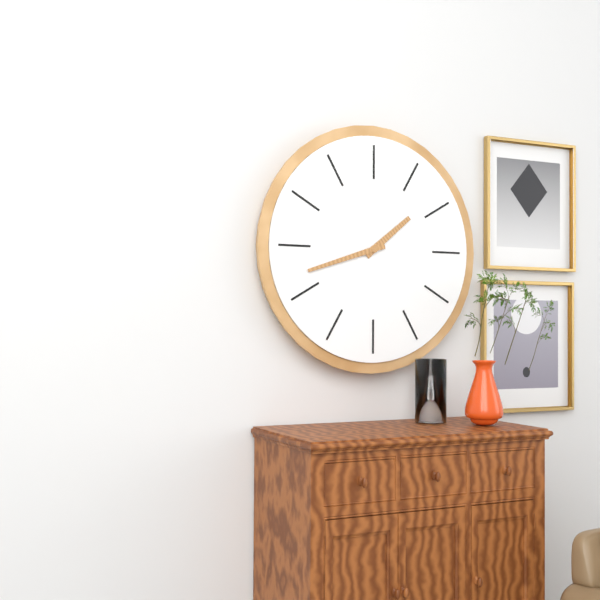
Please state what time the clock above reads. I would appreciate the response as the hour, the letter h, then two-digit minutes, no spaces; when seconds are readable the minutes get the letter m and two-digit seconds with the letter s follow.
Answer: 1h42
